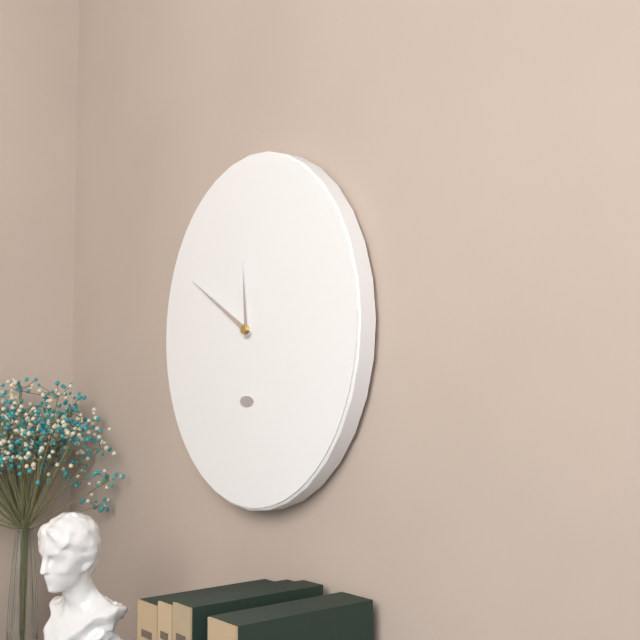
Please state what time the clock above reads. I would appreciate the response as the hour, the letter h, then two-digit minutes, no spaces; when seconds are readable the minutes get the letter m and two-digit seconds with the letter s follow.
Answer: 11h50
